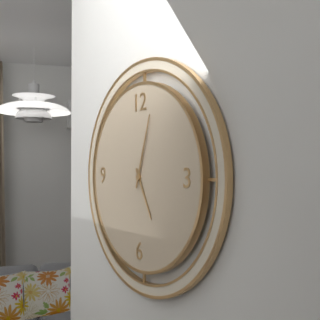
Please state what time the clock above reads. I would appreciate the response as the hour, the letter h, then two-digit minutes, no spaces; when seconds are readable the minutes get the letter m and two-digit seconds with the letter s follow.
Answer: 5h03
